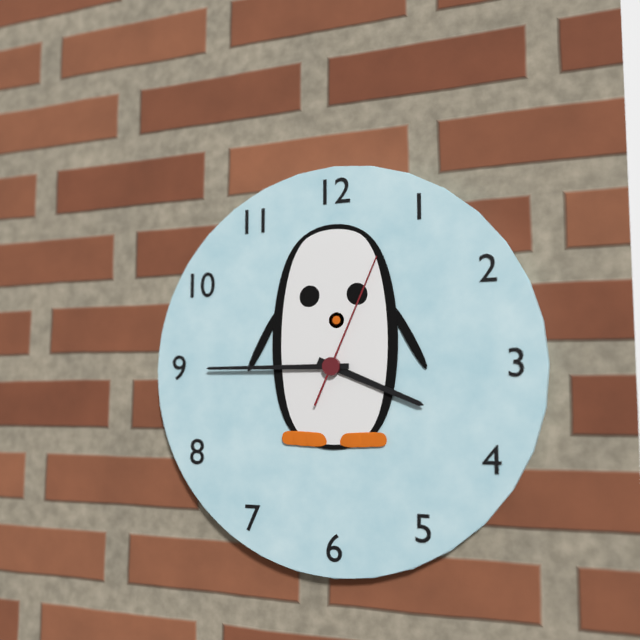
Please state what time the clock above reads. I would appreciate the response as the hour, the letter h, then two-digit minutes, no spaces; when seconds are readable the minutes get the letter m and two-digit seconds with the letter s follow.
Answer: 3h45m04s
